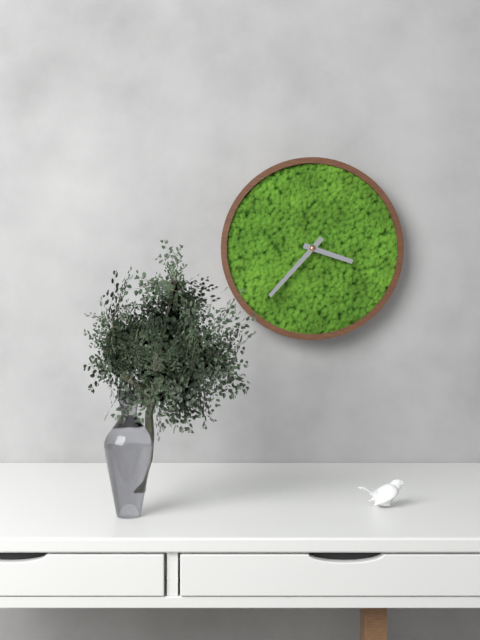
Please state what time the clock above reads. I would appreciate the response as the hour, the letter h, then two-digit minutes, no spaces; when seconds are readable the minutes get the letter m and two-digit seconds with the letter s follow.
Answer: 3h37
